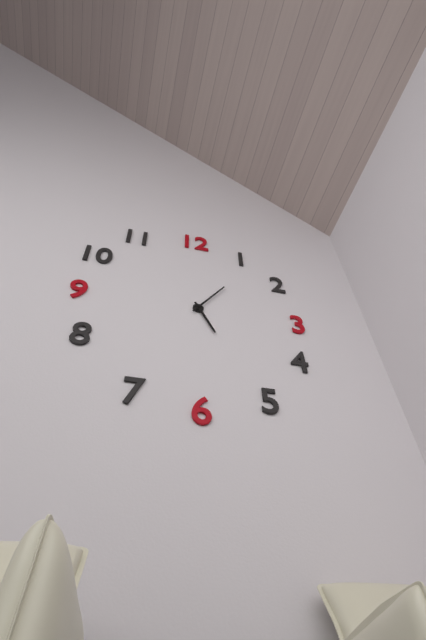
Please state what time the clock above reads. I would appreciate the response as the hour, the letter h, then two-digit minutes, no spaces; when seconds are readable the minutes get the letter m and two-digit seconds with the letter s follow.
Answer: 5h06
